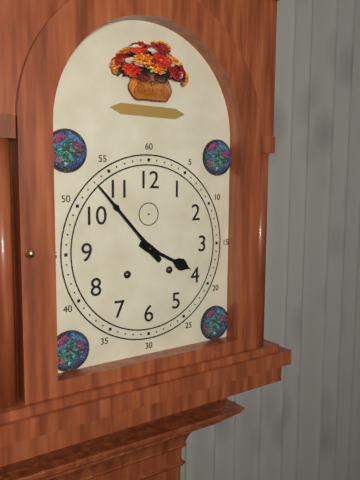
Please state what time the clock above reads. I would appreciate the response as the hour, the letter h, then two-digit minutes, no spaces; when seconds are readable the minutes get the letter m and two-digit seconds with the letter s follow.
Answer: 3h53
